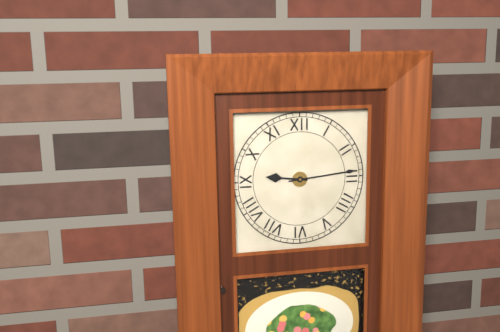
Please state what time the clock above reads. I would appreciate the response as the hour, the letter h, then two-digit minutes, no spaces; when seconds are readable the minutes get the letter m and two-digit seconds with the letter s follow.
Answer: 9h14
